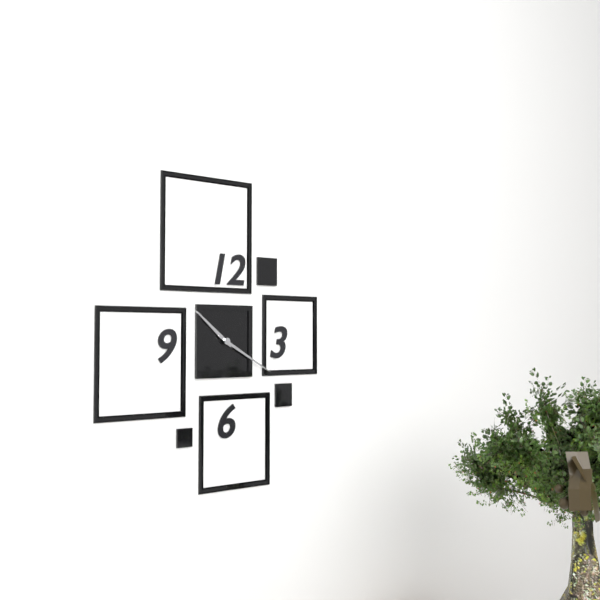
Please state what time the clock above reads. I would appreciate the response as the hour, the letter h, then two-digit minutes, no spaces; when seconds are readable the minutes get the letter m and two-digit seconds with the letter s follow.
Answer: 10h20
